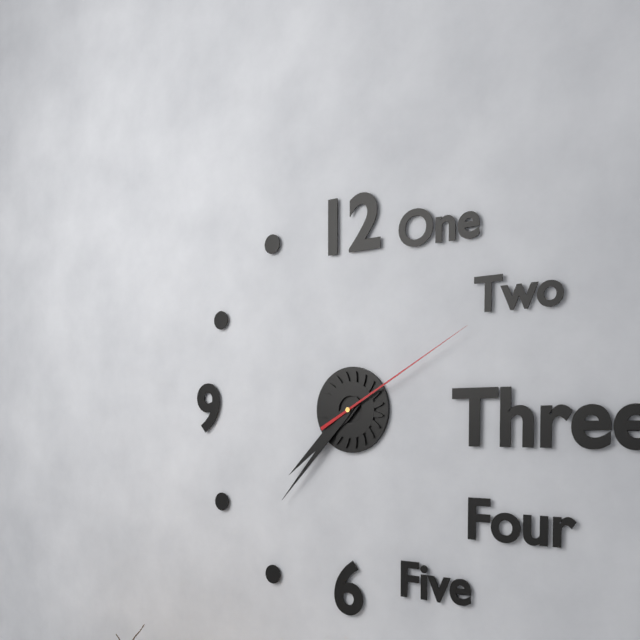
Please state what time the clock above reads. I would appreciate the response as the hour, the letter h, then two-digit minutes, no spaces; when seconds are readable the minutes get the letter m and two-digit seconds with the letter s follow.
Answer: 7h37m10s
